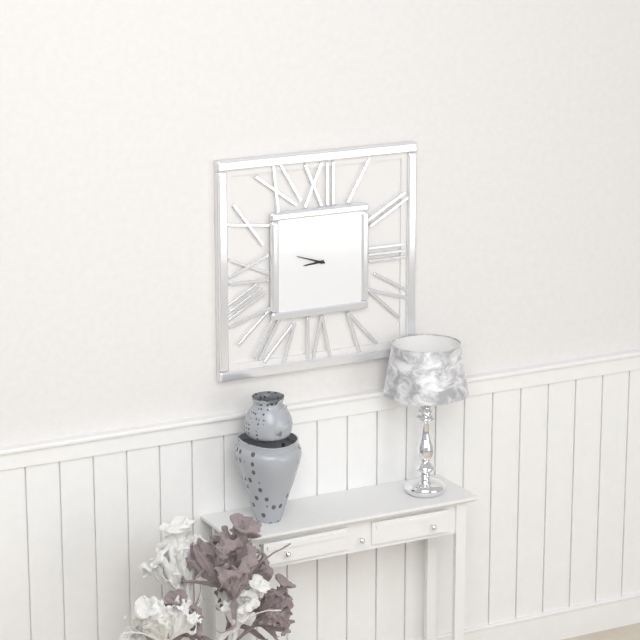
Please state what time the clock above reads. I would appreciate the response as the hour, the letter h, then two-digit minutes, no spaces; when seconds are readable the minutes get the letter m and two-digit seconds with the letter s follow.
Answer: 8h48
